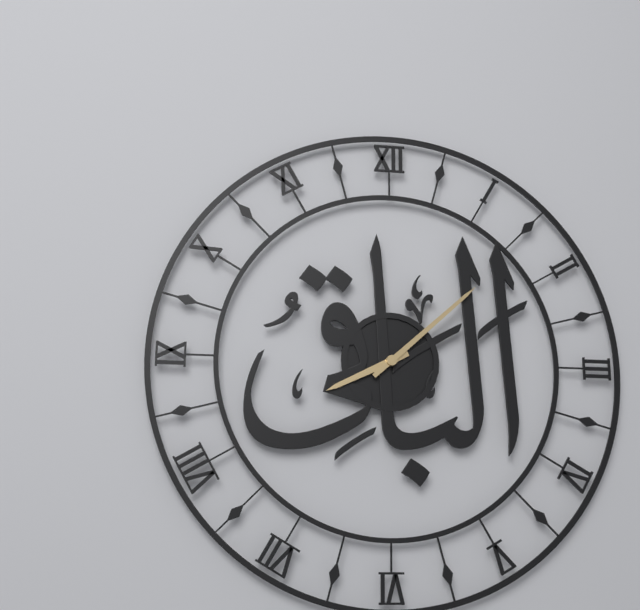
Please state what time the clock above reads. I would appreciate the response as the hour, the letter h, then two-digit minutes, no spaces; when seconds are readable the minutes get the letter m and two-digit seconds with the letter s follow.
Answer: 8h08
